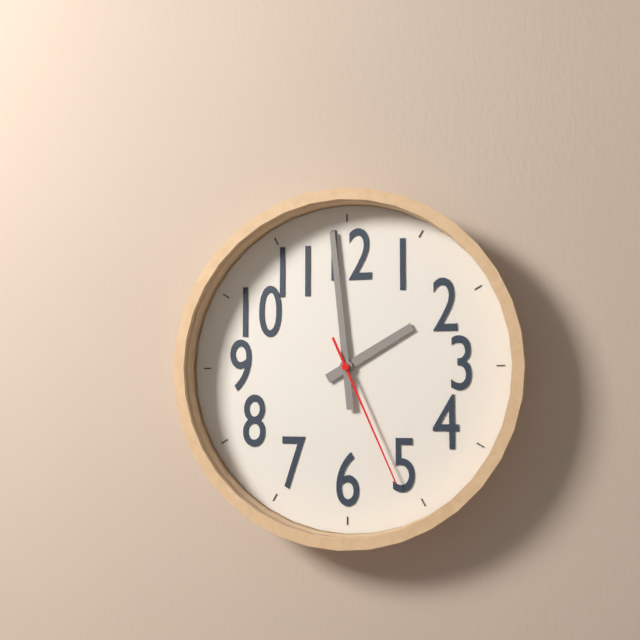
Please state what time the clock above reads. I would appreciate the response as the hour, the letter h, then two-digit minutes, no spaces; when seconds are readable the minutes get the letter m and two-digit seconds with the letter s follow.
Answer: 1h59m26s
